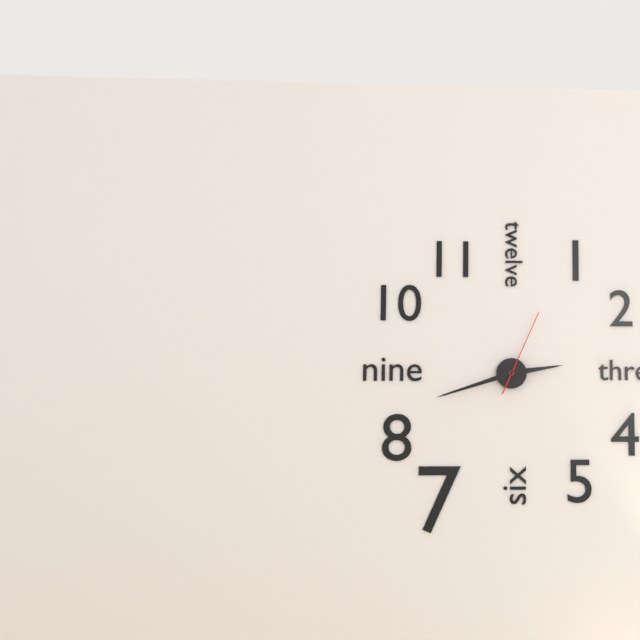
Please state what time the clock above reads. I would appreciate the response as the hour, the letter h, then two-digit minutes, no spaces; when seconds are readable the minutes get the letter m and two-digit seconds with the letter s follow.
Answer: 2h42m04s
